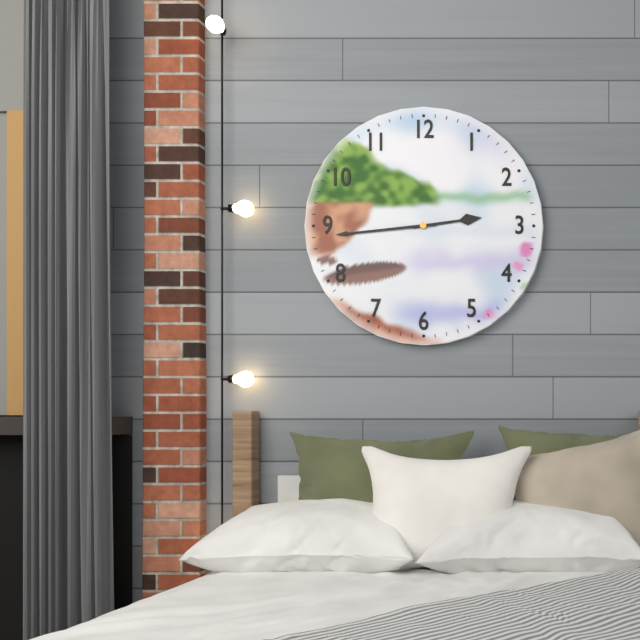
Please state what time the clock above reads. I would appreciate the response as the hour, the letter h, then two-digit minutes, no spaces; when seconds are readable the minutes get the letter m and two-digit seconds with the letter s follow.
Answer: 2h44
